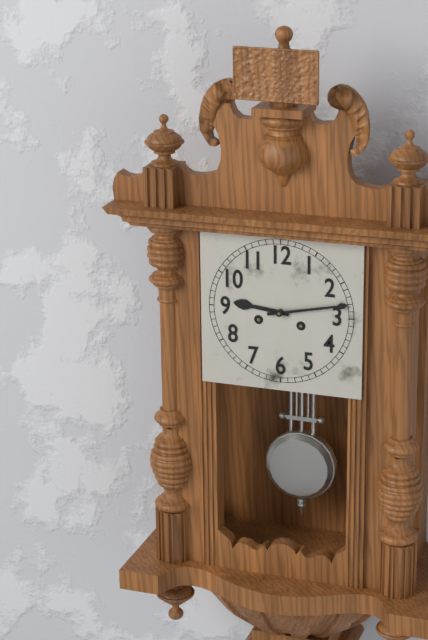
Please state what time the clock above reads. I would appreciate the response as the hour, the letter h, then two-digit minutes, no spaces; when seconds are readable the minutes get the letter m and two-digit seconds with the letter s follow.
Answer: 9h13
